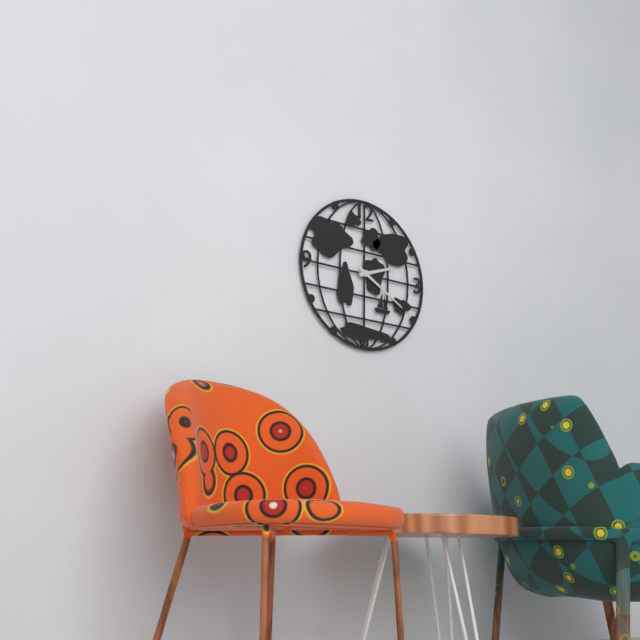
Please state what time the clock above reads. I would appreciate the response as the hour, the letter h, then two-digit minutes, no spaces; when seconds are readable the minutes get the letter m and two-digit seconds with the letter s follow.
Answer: 2h20
